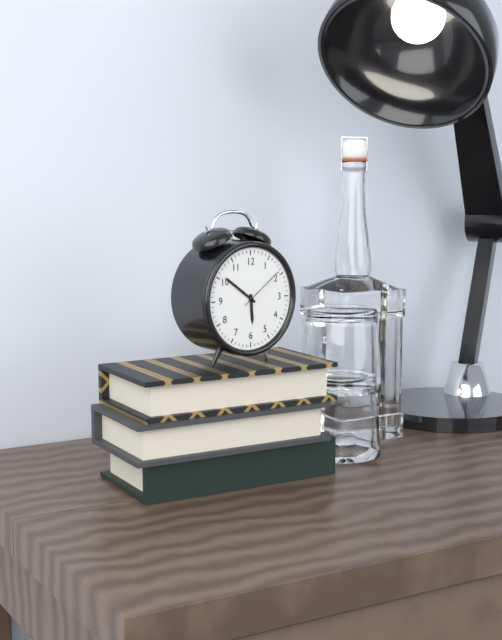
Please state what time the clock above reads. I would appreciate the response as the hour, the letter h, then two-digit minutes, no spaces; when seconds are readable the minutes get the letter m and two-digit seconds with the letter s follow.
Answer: 5h51
